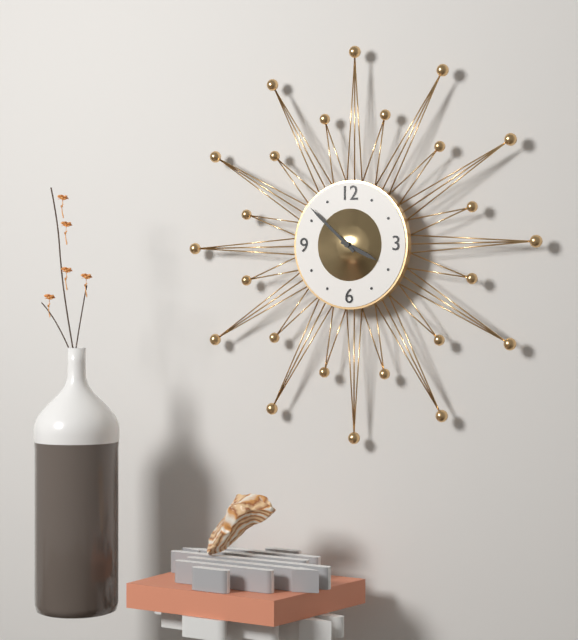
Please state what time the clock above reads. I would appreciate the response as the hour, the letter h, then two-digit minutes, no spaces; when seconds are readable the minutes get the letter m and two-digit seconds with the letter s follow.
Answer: 3h52
